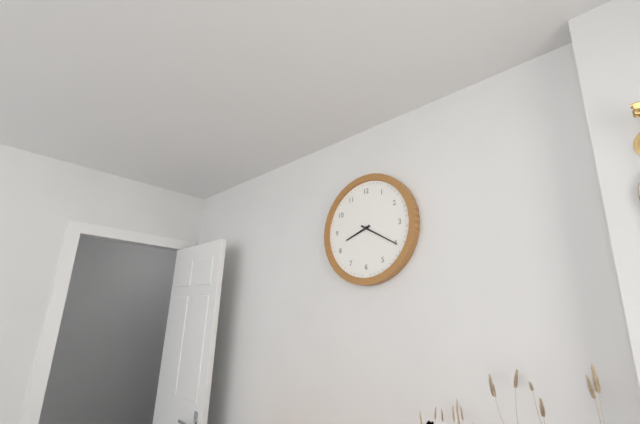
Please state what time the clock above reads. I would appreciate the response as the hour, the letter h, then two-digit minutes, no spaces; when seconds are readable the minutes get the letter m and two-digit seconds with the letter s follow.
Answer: 8h20
